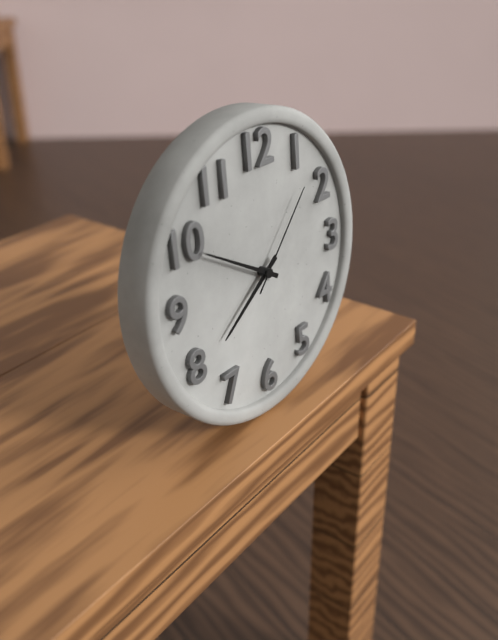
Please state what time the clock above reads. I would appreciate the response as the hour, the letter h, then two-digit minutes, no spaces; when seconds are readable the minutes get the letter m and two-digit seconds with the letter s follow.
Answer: 7h50m07s
